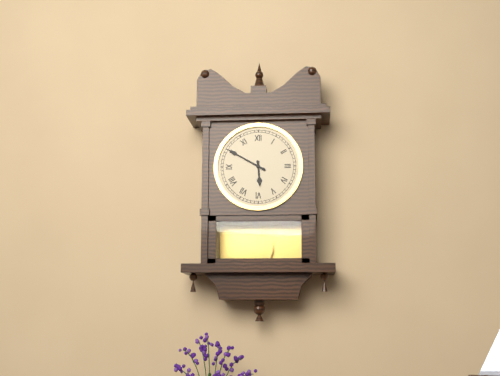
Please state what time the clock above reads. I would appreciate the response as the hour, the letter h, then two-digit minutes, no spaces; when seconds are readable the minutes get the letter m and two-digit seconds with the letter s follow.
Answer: 5h50
